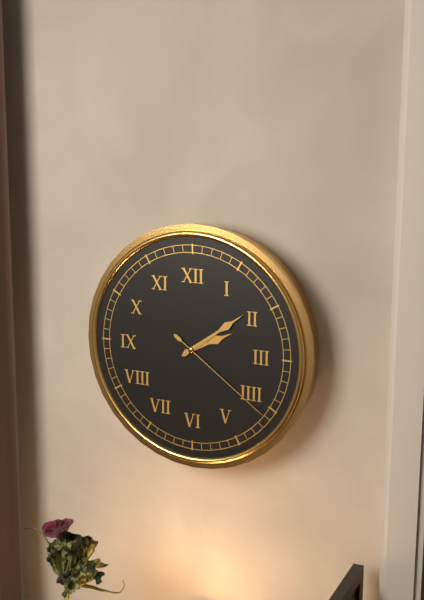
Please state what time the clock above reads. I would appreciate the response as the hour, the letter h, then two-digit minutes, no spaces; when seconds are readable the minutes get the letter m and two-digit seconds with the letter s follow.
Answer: 2h09m21s
